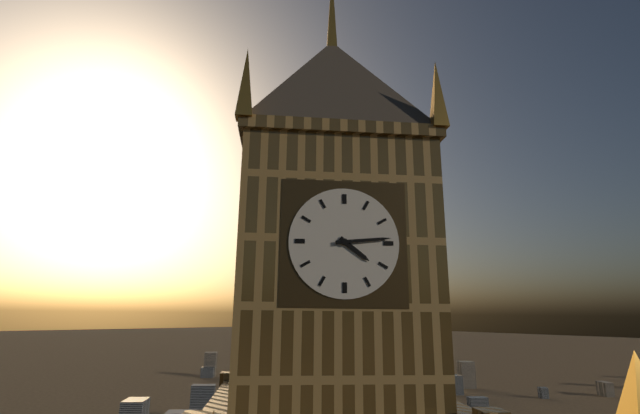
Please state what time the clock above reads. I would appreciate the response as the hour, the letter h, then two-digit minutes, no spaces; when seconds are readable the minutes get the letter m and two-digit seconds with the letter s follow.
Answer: 4h14
